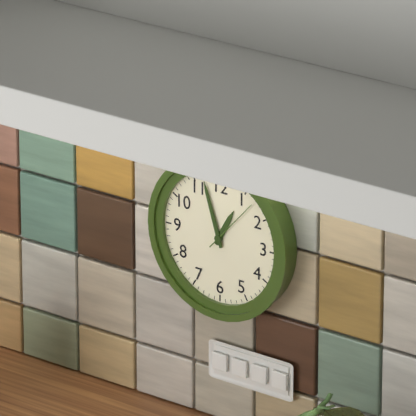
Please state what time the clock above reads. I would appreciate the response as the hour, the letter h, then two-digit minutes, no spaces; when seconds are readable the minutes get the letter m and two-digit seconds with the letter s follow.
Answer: 12h57m07s
